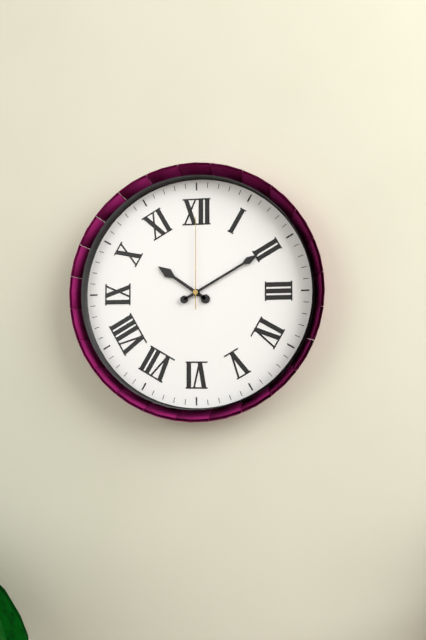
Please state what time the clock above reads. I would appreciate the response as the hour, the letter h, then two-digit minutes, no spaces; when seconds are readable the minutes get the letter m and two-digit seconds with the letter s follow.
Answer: 10h10m00s
